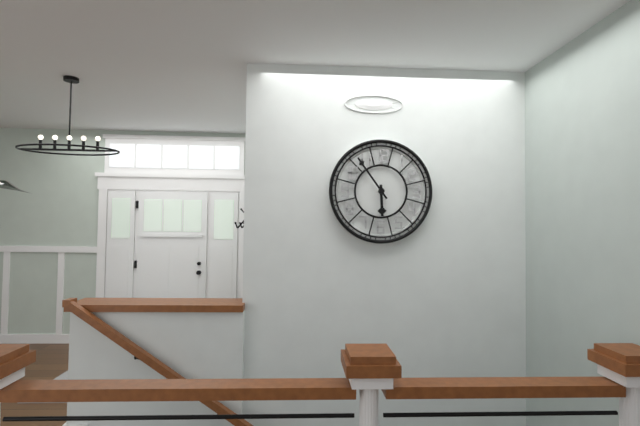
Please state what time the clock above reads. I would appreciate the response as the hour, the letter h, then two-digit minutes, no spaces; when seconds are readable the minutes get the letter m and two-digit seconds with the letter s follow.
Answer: 5h54
